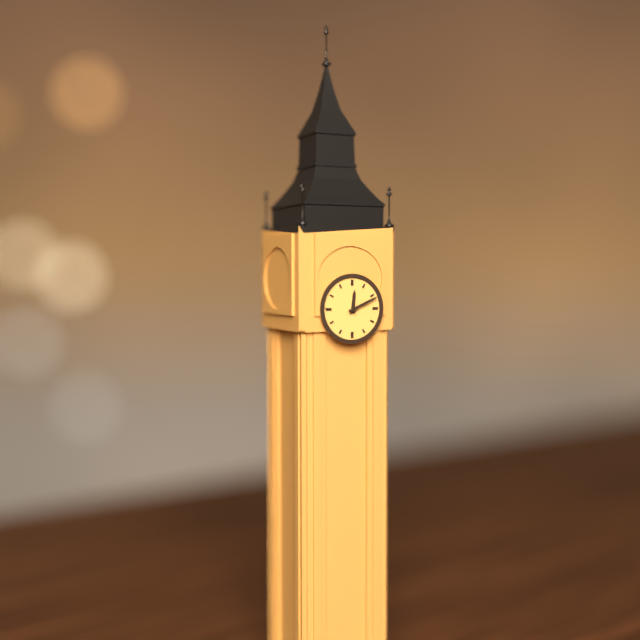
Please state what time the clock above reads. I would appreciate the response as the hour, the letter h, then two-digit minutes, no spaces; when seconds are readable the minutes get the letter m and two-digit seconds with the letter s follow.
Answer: 12h11
